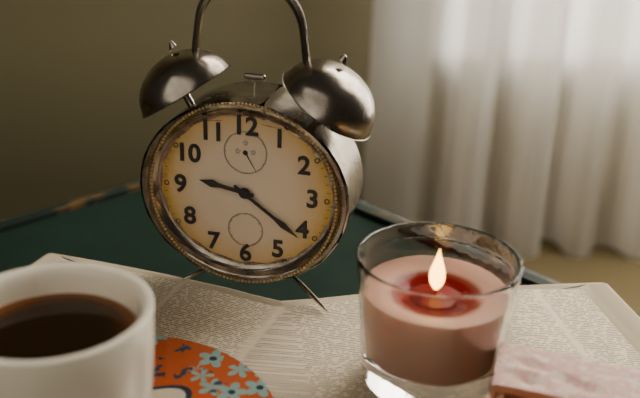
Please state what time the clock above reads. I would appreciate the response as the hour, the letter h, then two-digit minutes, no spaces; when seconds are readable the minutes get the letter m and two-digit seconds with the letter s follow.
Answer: 9h21
